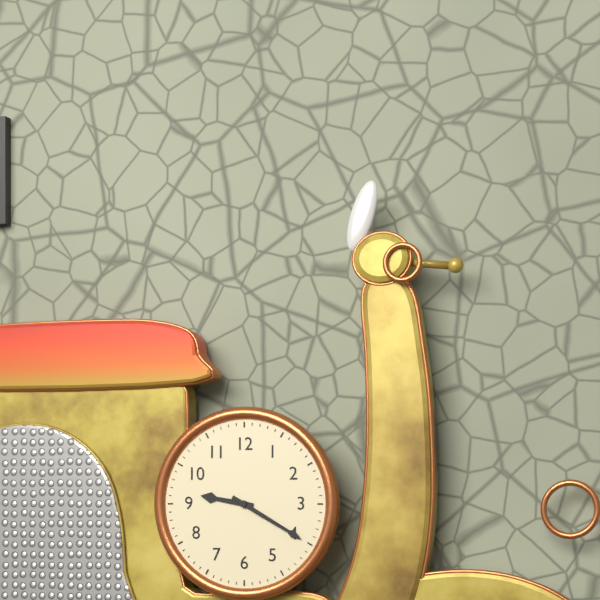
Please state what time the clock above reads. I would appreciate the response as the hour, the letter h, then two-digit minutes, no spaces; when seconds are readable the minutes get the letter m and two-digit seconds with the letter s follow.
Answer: 9h20
